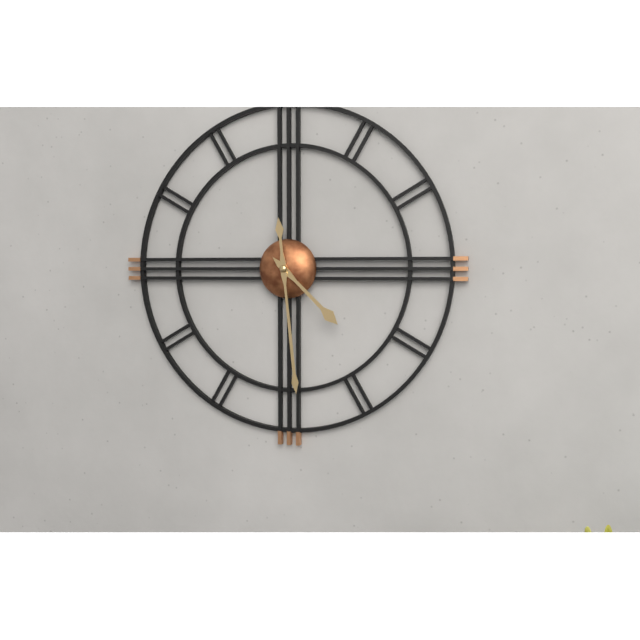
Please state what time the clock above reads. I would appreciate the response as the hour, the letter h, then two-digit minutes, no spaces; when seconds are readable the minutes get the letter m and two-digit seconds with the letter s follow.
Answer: 4h29
